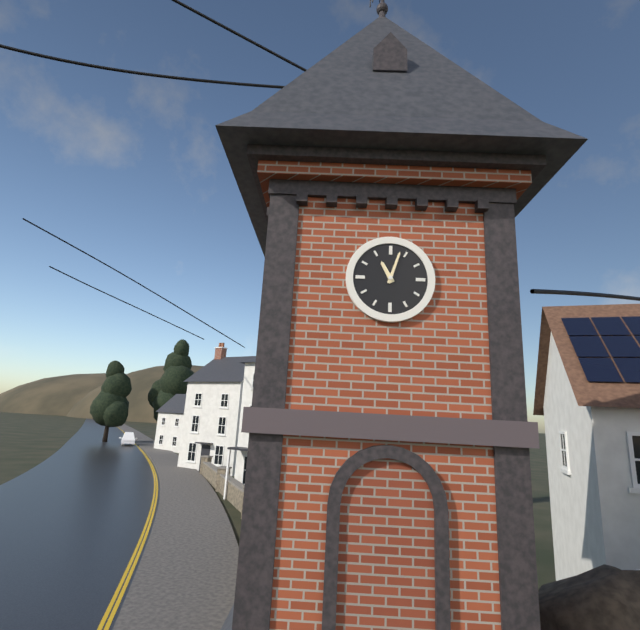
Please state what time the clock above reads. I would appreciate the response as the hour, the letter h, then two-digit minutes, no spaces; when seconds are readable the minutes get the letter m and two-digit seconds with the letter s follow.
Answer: 11h03
